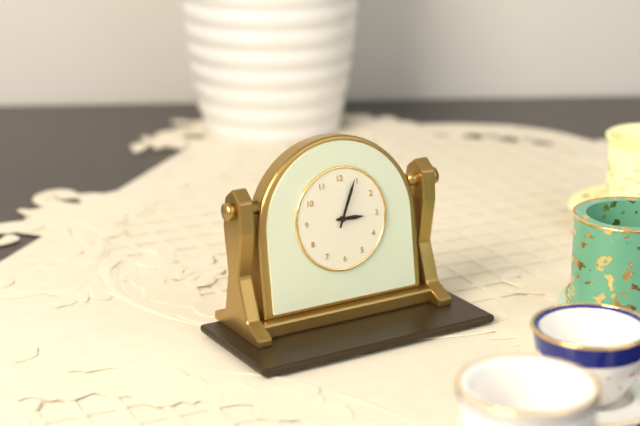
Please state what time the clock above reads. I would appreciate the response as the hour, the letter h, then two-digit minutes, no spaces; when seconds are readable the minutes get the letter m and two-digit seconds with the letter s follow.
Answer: 3h04
